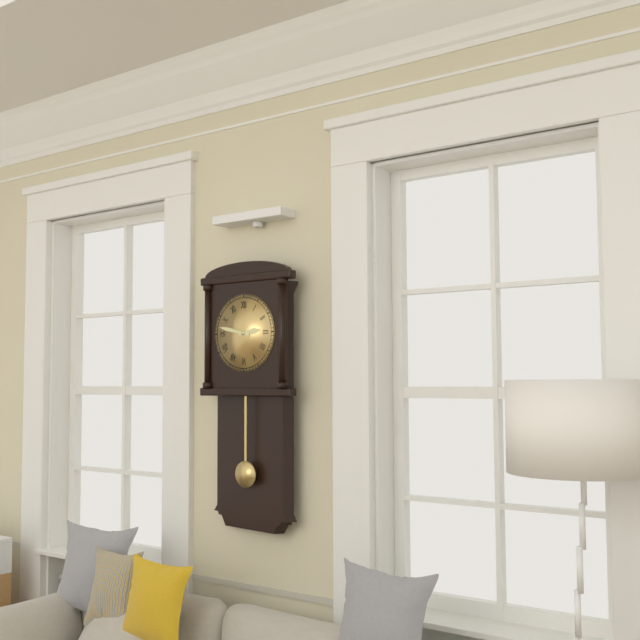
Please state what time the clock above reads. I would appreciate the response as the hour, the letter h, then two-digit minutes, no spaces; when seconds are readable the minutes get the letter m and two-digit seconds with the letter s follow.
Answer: 2h47
